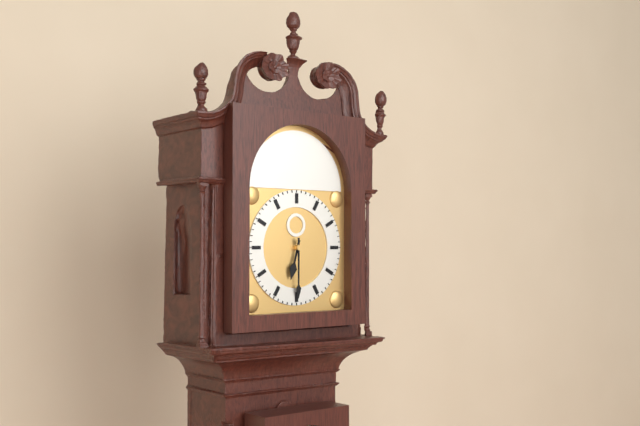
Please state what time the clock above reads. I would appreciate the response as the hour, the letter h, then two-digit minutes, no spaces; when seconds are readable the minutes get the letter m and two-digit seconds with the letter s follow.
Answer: 6h30
